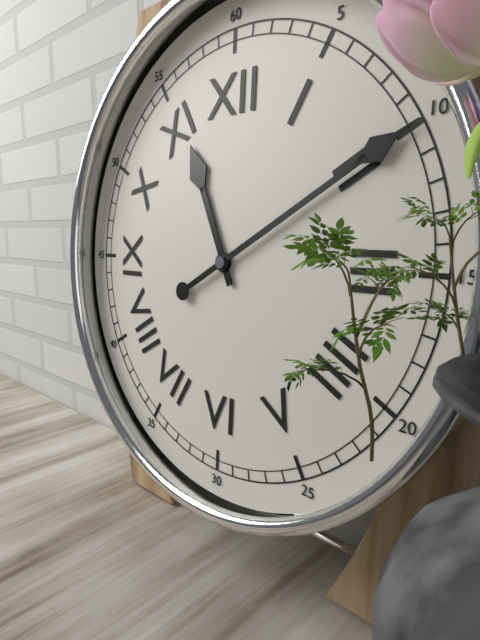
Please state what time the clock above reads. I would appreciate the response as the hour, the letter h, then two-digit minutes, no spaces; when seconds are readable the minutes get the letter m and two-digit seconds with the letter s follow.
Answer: 11h10
